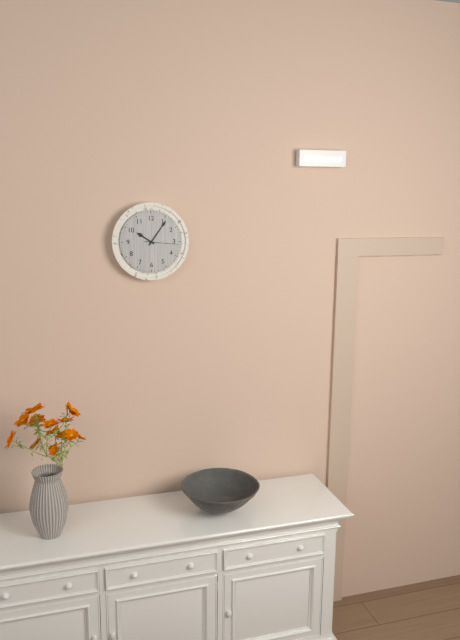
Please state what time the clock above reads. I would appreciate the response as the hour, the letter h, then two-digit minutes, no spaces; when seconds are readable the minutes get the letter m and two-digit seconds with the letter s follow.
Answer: 10h06
